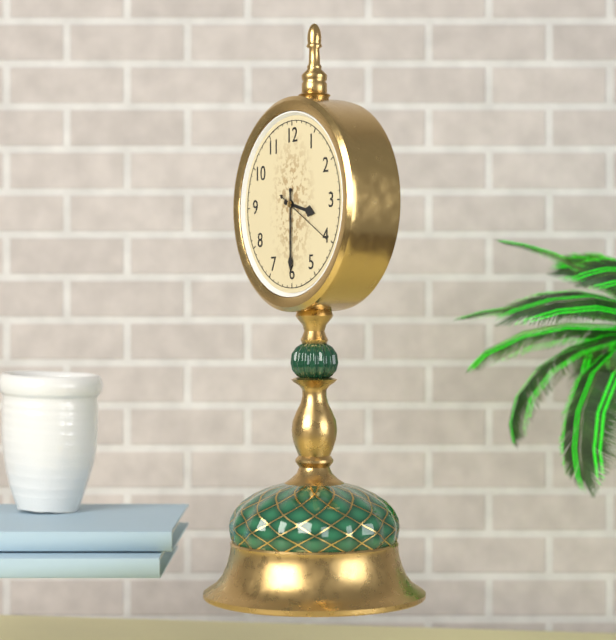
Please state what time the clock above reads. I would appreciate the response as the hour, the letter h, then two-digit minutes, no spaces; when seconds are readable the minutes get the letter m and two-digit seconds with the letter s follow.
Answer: 3h30m20s
